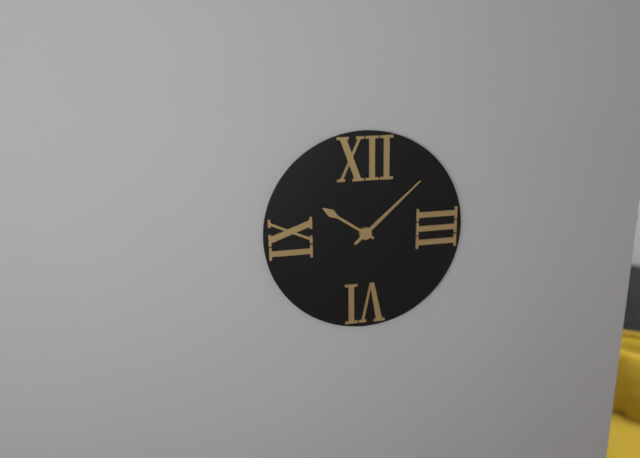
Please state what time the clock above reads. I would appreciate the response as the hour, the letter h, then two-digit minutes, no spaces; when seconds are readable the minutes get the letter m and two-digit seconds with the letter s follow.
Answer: 10h08
